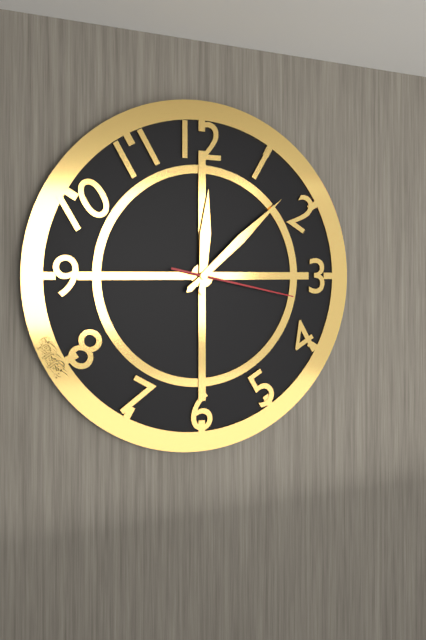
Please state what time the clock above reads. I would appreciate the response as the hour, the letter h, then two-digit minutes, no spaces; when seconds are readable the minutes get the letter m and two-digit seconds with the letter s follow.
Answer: 12h08m17s
